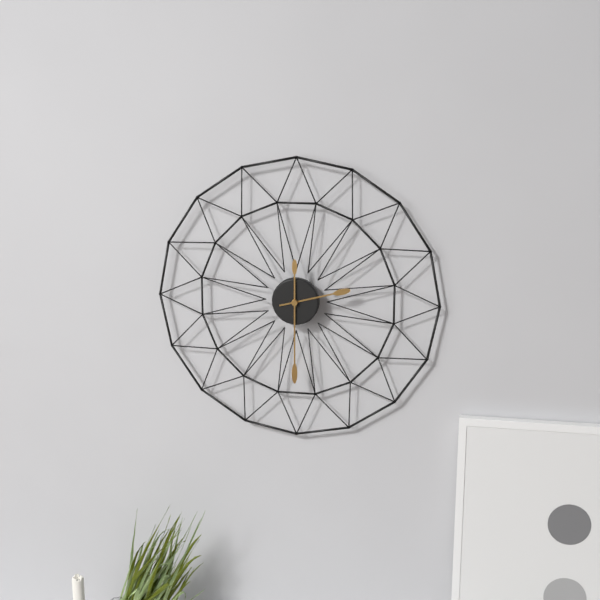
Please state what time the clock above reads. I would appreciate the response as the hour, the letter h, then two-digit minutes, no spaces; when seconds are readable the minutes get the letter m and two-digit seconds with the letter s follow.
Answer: 2h30
